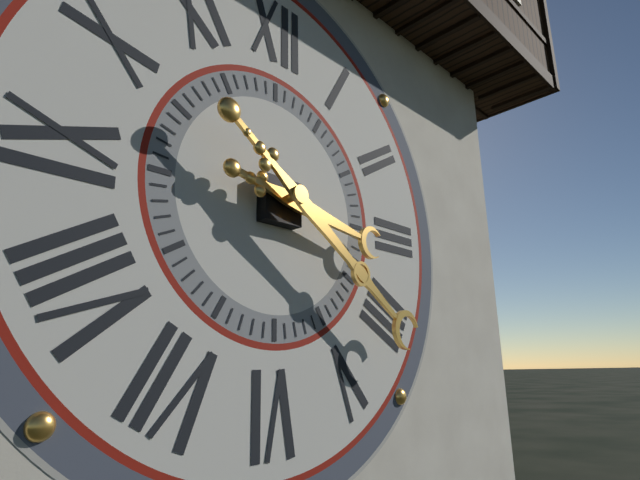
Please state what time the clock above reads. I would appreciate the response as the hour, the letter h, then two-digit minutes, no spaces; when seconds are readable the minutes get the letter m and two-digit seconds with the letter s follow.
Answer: 3h21
